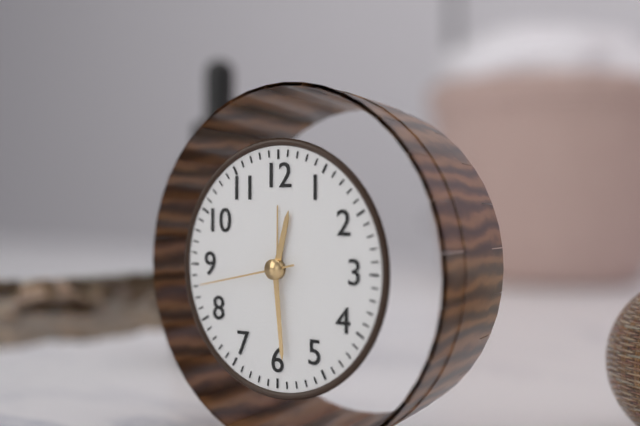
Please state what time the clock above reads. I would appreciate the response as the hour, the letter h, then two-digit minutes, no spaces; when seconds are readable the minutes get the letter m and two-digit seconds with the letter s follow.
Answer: 12h29m43s
